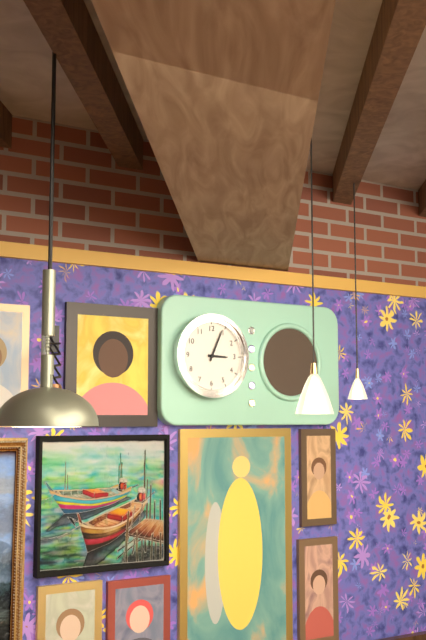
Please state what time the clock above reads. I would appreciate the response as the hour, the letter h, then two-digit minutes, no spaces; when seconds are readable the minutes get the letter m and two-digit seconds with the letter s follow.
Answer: 3h04
